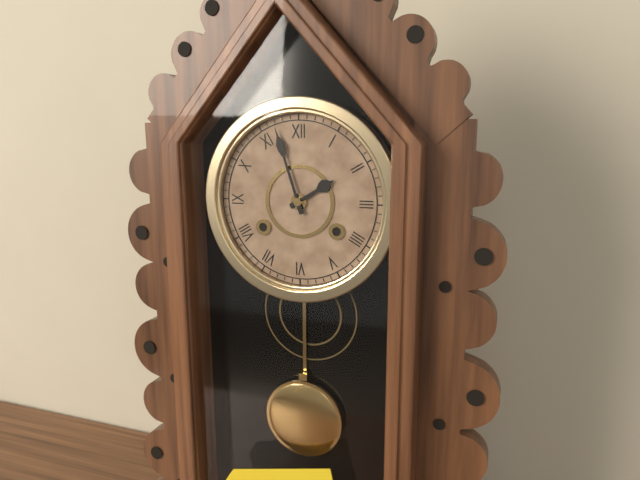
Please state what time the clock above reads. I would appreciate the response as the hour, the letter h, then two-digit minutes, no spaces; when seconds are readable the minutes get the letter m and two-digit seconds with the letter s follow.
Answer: 1h57
